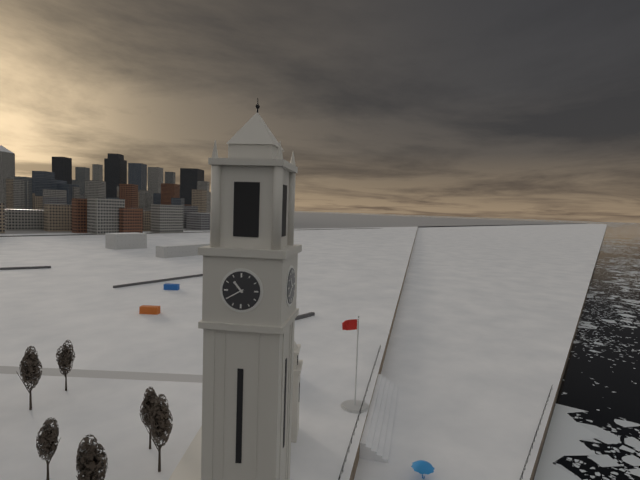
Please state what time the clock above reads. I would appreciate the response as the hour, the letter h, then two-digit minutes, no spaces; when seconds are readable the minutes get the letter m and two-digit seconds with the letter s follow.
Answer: 10h40
